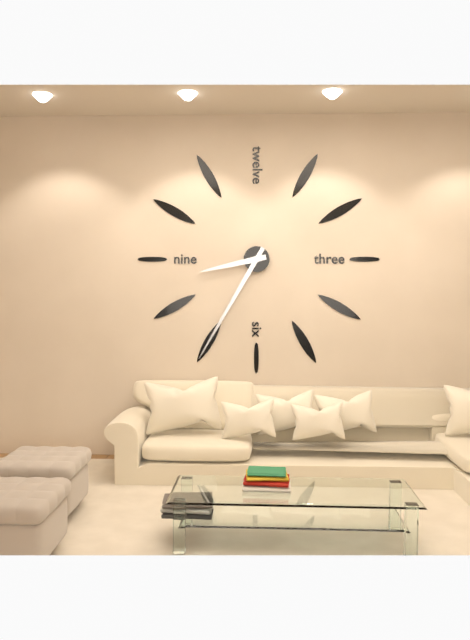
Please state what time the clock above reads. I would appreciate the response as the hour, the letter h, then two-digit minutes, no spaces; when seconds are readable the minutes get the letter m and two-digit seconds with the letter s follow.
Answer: 8h35
